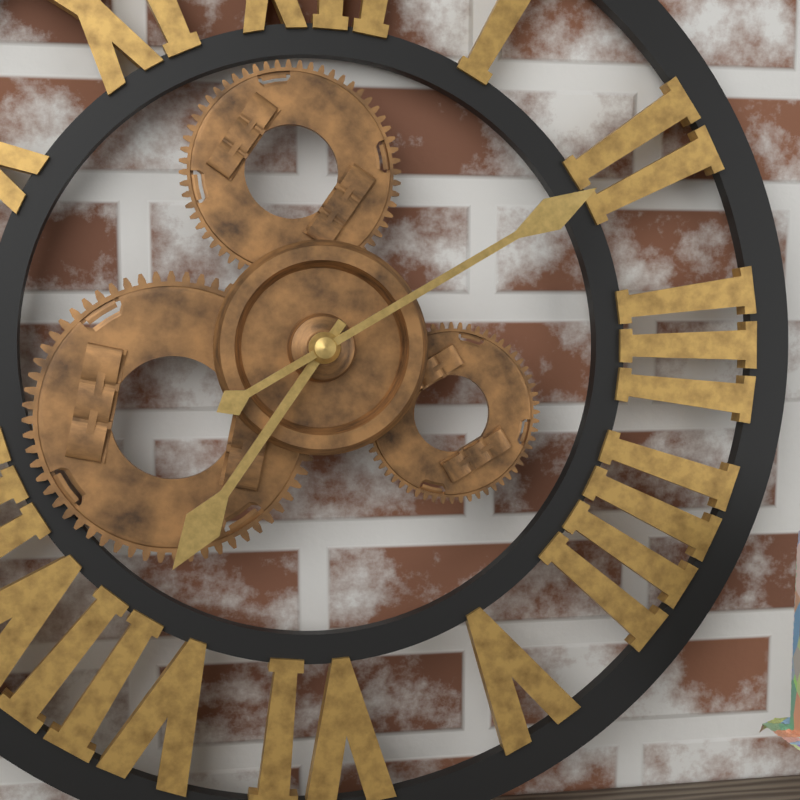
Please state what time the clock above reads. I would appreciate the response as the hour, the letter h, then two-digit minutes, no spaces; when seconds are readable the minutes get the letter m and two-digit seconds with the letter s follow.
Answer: 7h10
